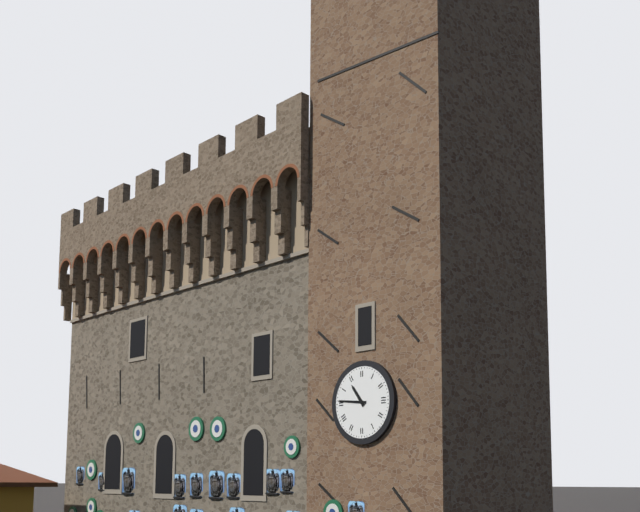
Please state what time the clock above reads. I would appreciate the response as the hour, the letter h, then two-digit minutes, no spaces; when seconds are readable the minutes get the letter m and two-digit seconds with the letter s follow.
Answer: 10h46
